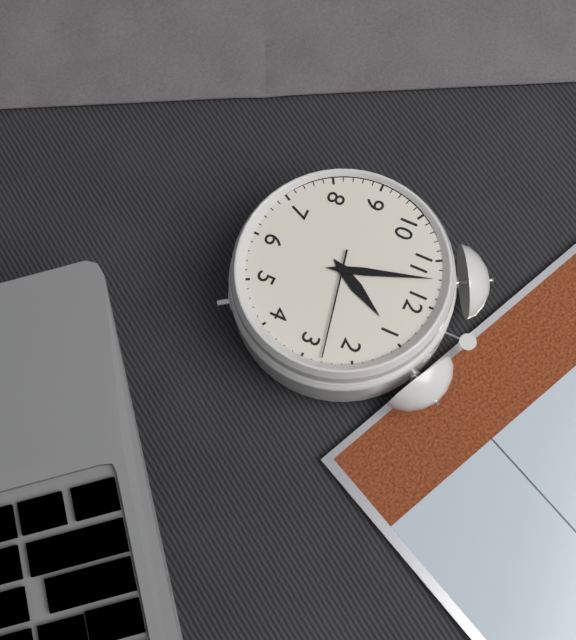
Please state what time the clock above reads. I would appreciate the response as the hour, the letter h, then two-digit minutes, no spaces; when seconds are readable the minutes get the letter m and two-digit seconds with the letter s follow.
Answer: 12h57m13s
